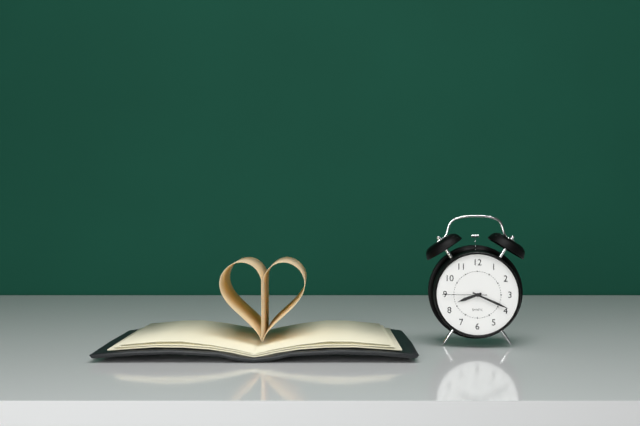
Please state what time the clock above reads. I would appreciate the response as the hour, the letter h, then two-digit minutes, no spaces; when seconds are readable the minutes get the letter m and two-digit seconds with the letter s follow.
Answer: 8h19
